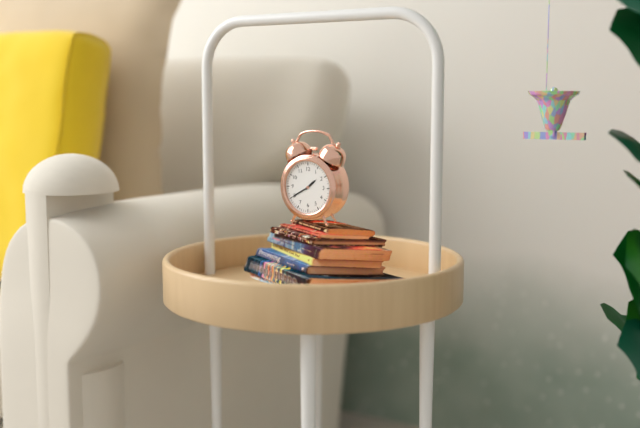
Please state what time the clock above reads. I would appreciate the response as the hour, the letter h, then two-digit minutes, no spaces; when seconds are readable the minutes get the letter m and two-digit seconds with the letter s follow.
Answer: 1h40
